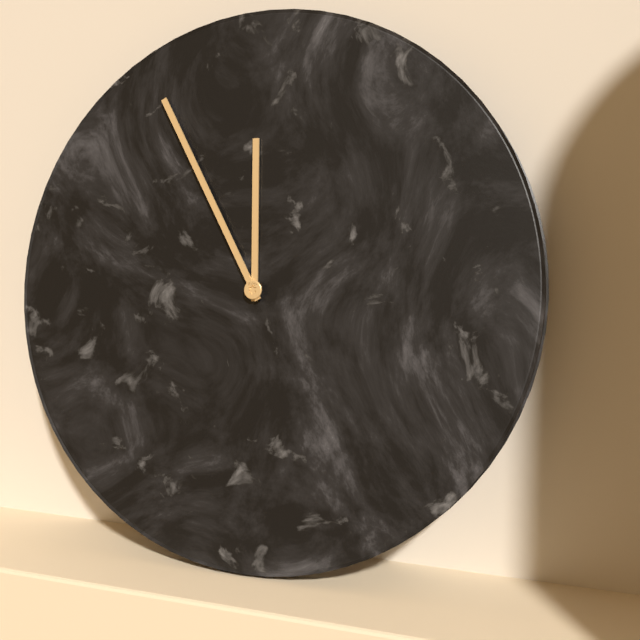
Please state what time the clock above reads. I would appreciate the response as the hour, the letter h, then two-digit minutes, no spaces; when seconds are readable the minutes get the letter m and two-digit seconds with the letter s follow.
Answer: 11h55
